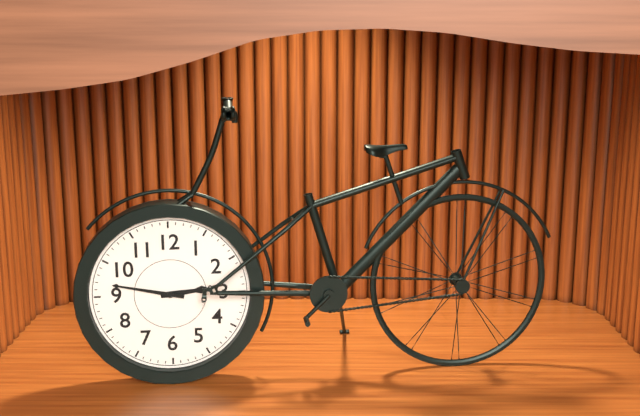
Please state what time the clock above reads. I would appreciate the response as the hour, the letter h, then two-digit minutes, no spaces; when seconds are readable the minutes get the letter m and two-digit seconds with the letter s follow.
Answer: 2h47
